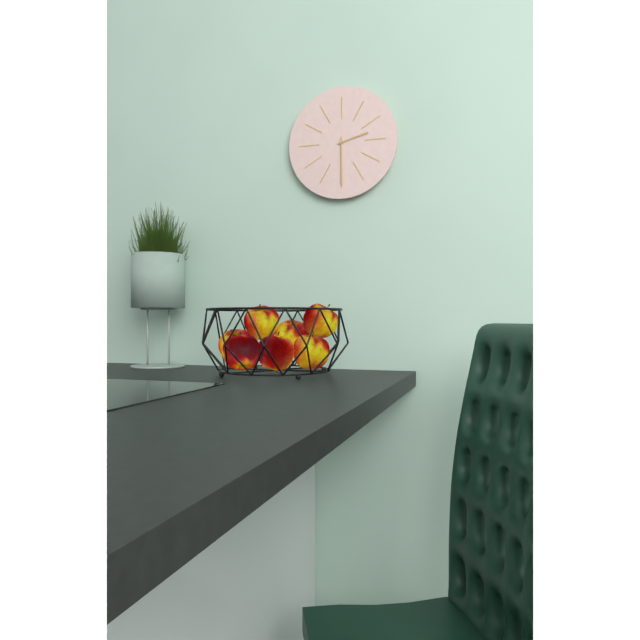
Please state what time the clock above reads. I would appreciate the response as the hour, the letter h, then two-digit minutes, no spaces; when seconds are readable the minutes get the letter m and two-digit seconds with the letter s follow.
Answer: 2h30
